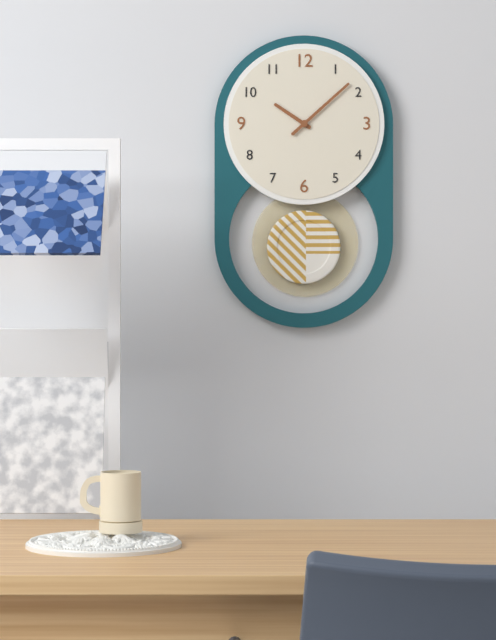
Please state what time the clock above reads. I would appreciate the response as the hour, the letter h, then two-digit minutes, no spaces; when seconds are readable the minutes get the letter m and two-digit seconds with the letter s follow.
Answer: 10h08
